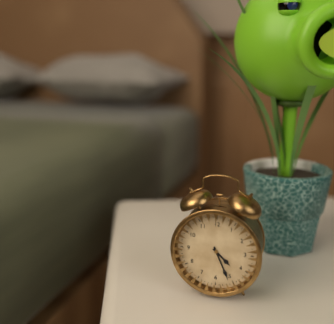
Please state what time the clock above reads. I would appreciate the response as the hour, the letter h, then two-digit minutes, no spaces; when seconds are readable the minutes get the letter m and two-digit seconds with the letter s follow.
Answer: 4h26
